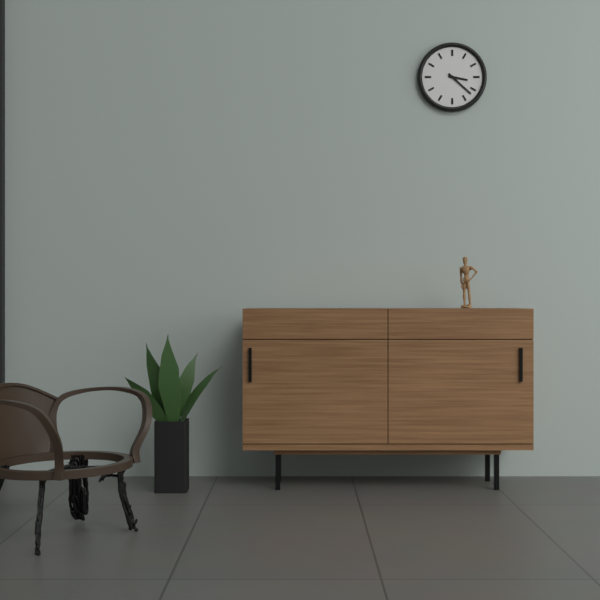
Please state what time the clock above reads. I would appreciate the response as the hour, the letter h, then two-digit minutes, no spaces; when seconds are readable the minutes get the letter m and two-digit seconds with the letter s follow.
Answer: 3h22
